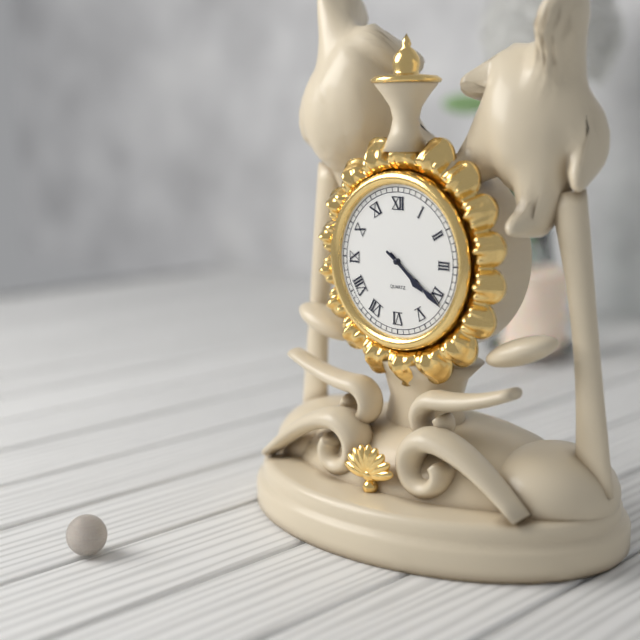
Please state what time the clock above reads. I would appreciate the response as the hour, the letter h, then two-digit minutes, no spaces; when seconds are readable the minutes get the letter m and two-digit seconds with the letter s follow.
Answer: 4h21
